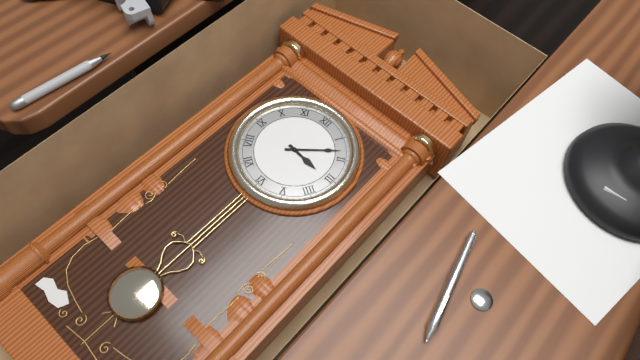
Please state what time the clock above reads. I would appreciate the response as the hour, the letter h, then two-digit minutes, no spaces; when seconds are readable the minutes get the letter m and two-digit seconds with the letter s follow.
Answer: 3h08
